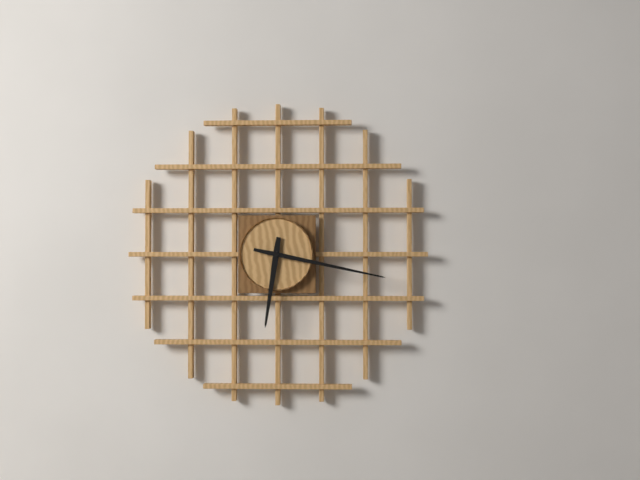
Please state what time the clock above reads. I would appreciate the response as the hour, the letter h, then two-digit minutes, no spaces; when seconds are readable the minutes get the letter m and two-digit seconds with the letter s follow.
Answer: 6h17
